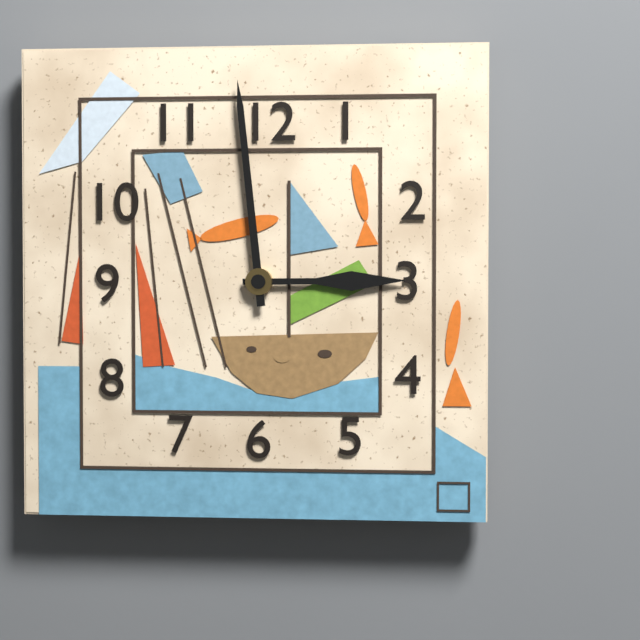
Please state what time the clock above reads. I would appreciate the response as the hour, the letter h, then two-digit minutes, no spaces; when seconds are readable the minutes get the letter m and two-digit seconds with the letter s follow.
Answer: 2h59
